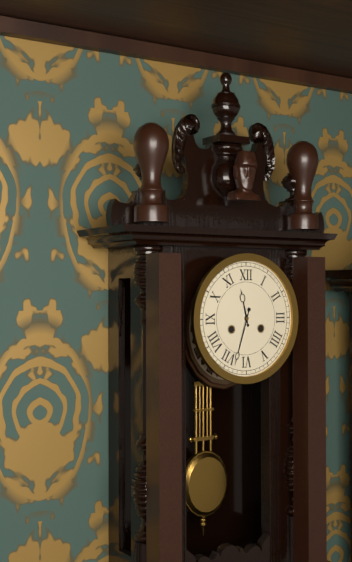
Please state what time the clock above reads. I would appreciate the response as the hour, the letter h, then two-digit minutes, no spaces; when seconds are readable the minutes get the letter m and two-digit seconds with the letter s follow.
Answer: 11h33
